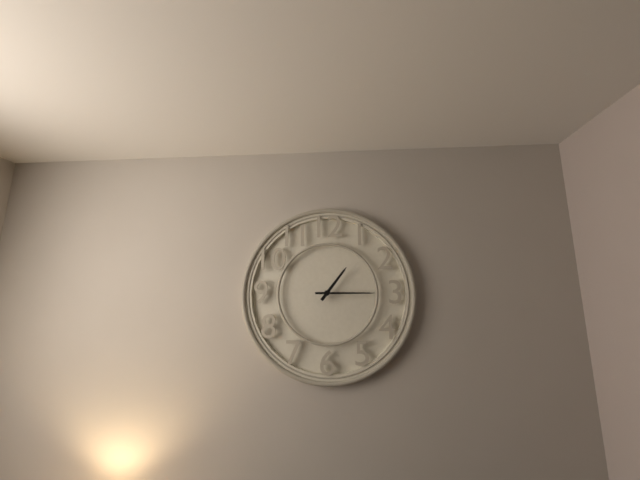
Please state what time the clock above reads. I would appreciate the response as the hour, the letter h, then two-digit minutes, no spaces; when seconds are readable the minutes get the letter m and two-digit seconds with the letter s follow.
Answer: 1h15
